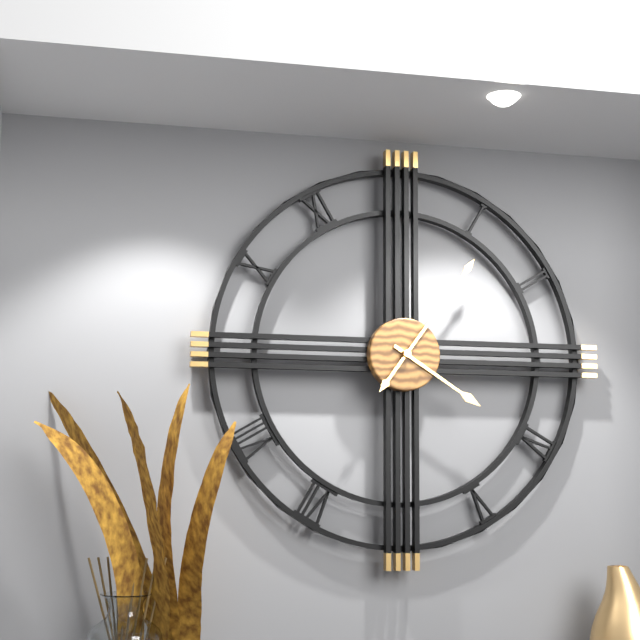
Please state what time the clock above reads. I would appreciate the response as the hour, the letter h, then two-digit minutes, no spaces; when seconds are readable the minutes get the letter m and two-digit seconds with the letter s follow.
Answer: 4h06
